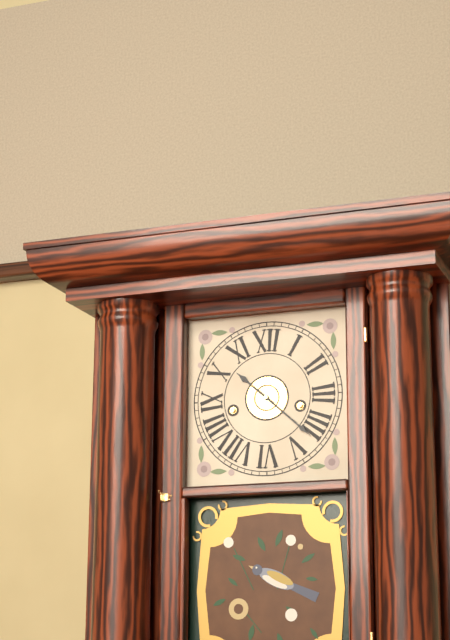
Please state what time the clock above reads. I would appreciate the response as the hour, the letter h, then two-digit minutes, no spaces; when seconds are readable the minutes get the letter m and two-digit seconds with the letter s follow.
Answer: 10h22
